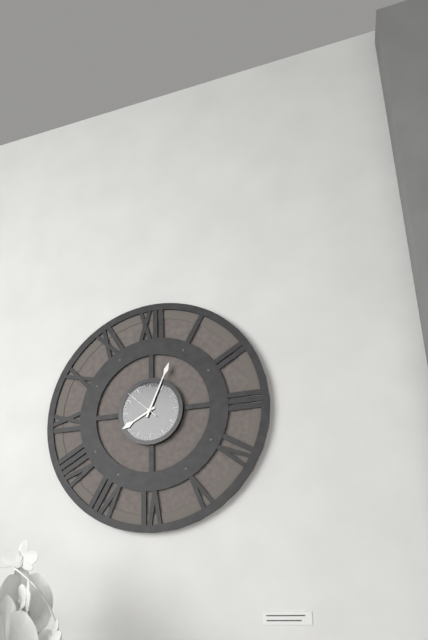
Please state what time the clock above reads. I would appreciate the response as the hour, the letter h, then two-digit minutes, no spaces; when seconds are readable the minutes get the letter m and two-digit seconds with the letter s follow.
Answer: 8h04
